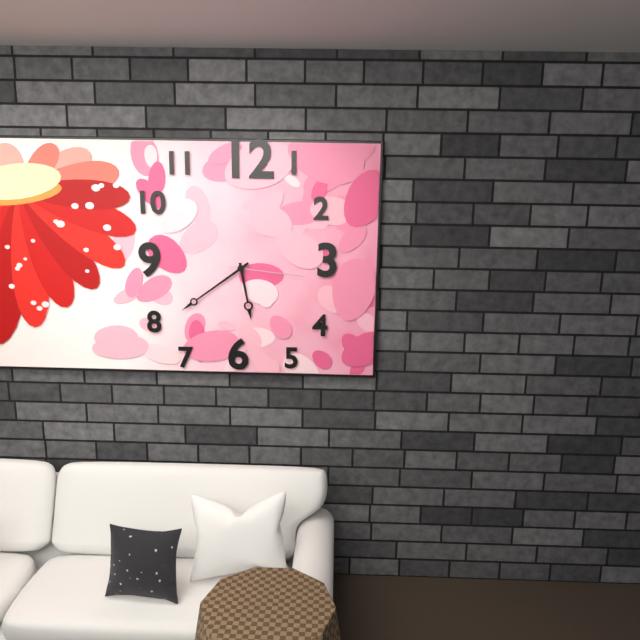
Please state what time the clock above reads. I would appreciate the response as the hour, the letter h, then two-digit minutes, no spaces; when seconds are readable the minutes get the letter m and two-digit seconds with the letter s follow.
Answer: 5h39m16s
